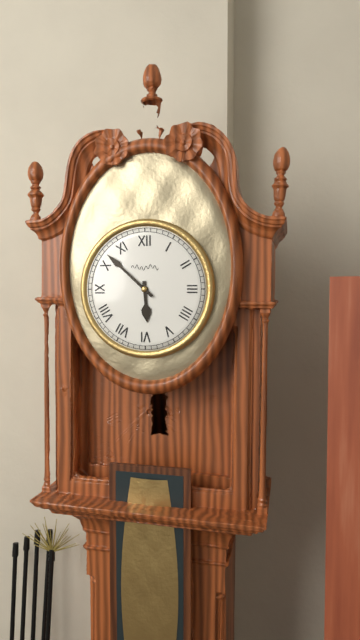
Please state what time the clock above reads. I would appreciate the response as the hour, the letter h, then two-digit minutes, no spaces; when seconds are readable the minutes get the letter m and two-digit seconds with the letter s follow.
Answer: 5h52
